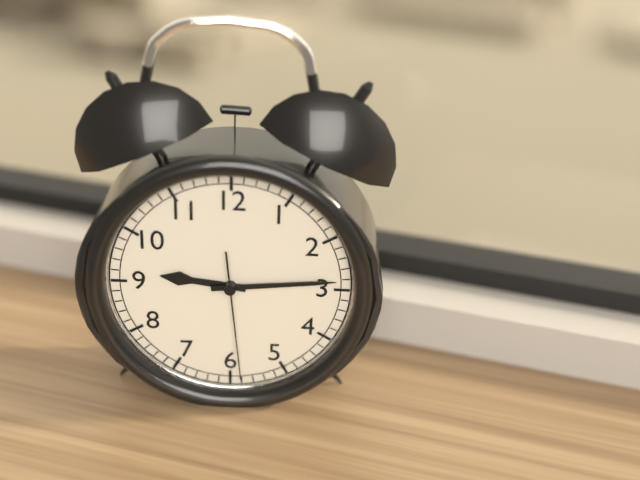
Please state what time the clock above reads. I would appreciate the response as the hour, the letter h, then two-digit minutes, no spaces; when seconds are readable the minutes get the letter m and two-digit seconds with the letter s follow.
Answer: 9h14m29s
